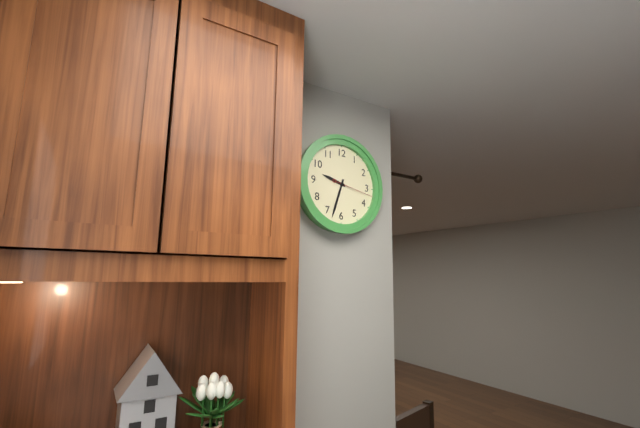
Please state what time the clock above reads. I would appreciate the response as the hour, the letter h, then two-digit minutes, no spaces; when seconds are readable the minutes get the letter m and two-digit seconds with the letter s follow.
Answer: 9h33
